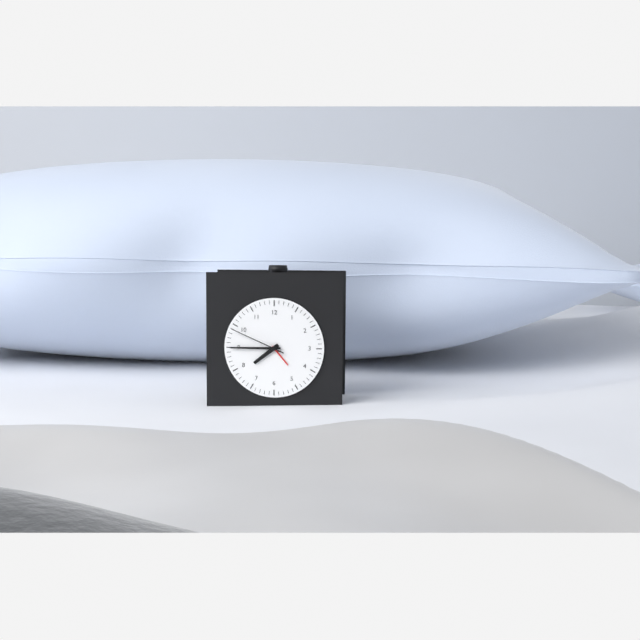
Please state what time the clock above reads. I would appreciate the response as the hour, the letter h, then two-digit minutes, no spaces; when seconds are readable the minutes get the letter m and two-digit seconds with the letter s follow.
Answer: 7h45m49s
